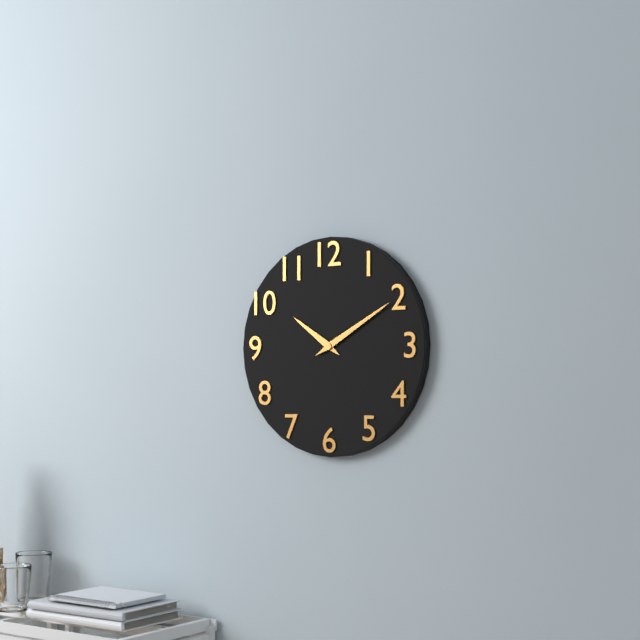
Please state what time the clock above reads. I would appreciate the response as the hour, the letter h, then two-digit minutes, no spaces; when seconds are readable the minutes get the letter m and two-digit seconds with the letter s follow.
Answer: 10h10
